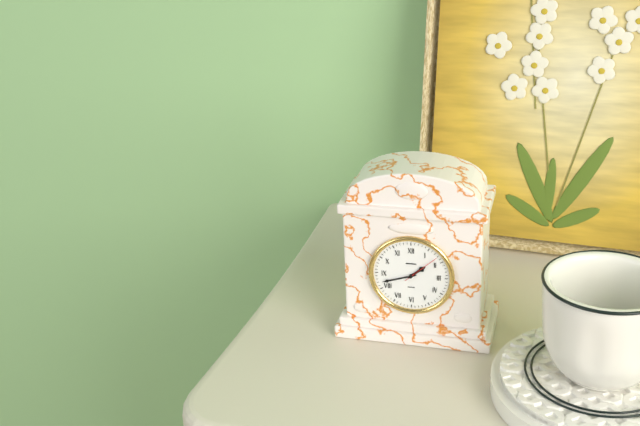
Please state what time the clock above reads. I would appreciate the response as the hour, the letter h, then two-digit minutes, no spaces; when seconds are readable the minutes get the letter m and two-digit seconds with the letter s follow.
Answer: 1h42
